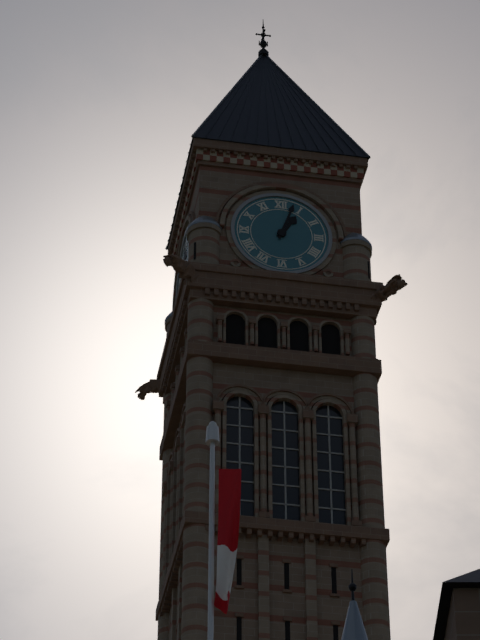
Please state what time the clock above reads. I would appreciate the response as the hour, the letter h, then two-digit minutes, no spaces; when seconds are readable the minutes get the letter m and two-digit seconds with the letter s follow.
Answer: 1h03
